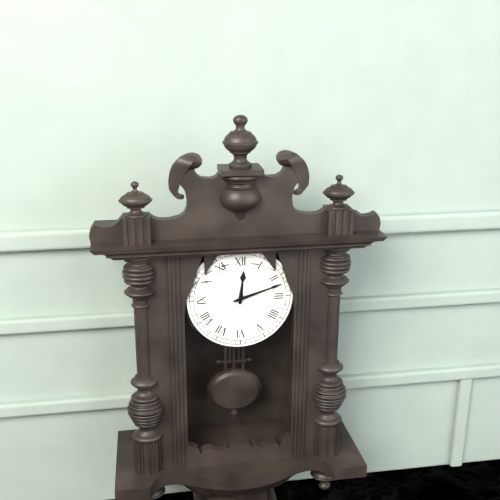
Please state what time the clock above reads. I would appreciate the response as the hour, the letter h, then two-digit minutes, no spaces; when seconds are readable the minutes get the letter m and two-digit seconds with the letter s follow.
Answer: 12h12
